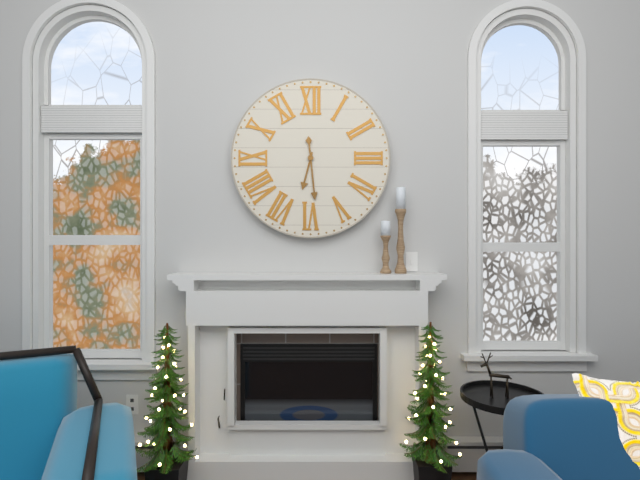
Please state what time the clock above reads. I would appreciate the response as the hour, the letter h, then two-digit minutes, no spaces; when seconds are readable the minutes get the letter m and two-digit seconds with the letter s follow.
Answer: 6h29
